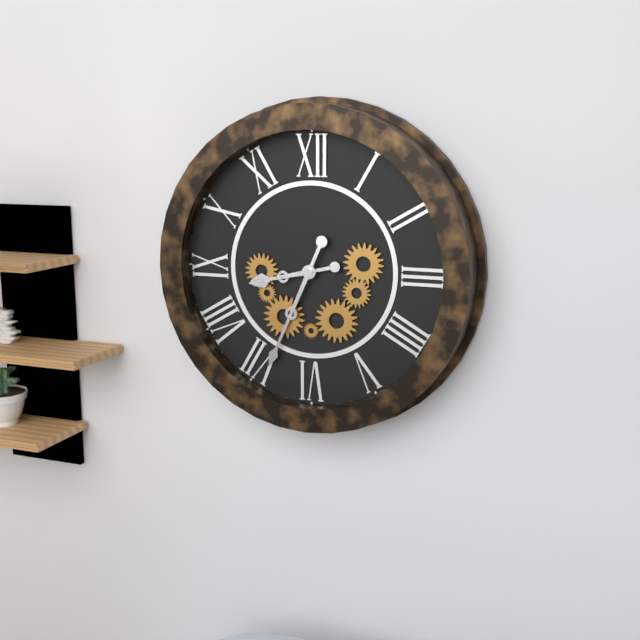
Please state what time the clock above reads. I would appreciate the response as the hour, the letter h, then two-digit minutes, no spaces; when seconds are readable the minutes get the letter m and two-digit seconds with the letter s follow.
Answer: 8h34
